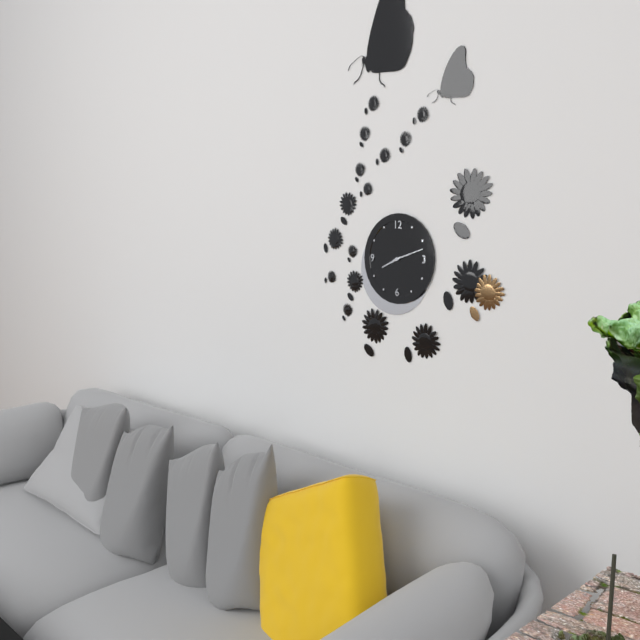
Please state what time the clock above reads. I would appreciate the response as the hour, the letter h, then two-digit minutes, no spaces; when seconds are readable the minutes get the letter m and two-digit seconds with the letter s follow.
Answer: 8h12
